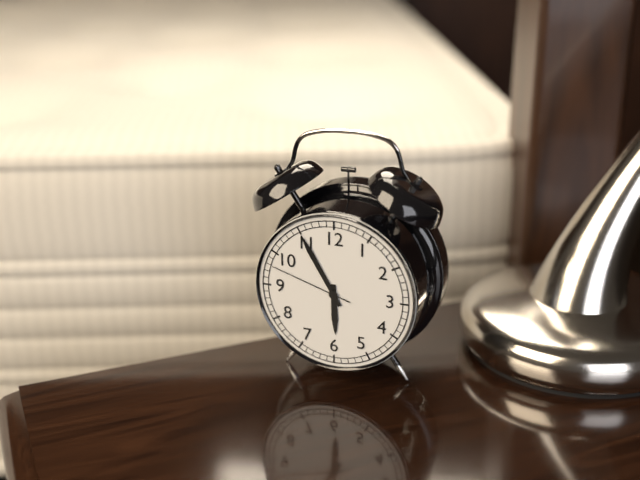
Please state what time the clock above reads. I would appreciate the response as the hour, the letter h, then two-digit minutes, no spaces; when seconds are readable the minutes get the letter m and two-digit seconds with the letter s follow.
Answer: 5h55m48s
